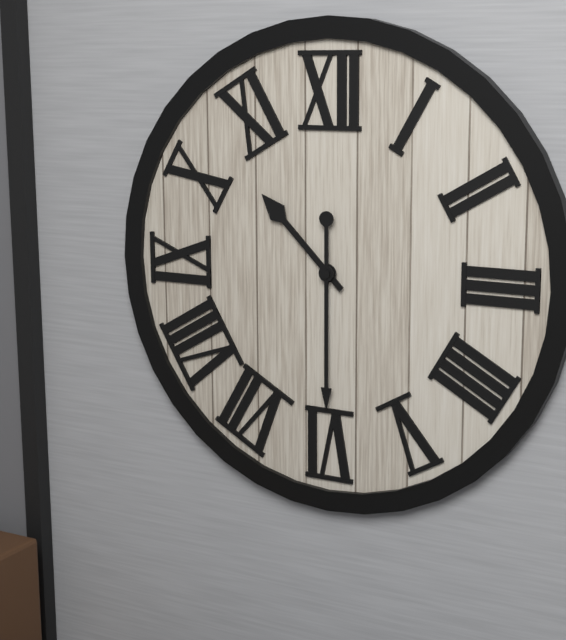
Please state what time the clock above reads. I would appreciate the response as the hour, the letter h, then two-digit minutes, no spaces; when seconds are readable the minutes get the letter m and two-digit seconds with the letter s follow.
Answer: 10h30
